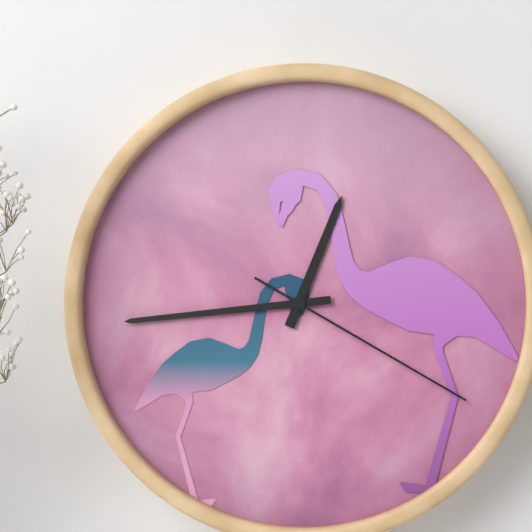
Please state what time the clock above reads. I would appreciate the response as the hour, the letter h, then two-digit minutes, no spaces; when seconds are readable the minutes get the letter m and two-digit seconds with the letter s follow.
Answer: 12h44m20s
